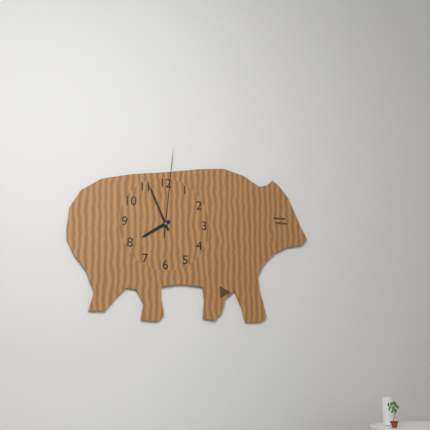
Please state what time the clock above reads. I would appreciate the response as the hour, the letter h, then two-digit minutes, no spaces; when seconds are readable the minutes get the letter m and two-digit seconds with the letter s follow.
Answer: 7h56m01s
